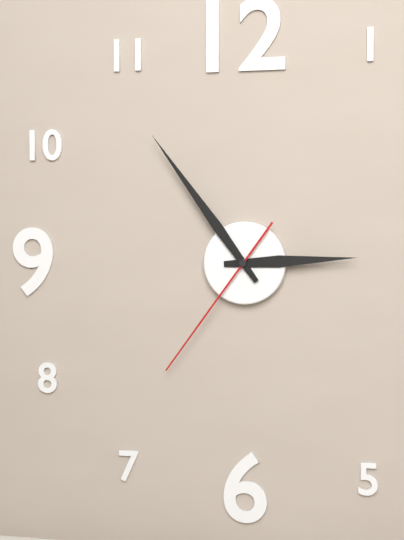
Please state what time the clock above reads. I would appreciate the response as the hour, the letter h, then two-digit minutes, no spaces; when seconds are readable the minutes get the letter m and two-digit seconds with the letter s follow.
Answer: 2h54m36s
